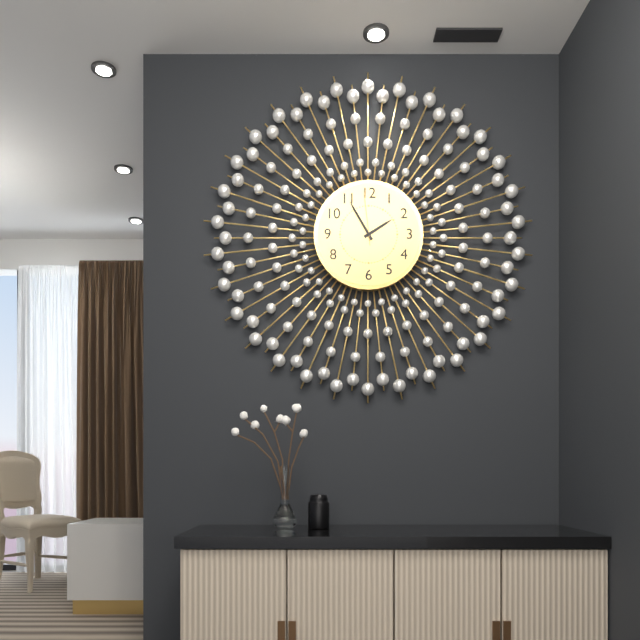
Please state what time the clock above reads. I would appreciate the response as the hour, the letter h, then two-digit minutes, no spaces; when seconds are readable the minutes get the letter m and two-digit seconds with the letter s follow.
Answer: 1h55m59s
